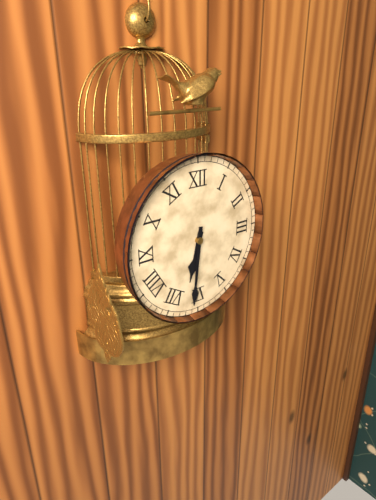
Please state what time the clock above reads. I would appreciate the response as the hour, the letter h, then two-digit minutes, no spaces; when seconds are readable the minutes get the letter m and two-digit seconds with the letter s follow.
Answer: 6h31
